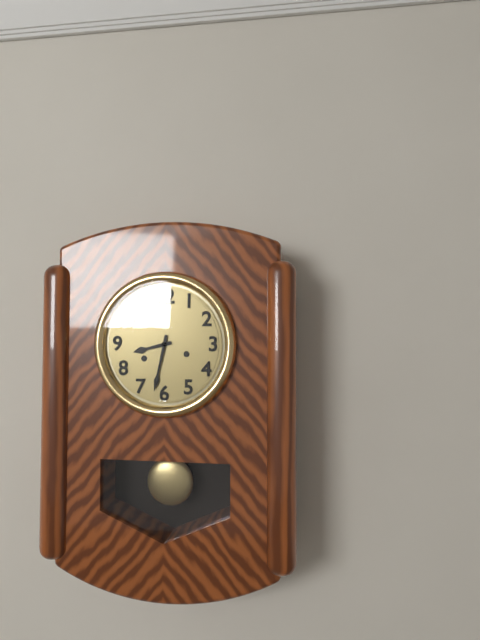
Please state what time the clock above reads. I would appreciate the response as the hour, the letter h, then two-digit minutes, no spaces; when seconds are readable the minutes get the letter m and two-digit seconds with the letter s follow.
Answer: 8h32
